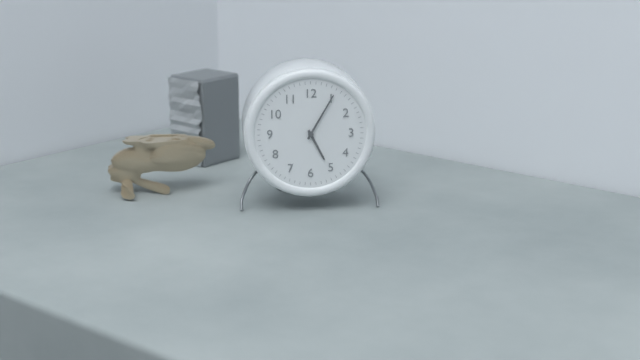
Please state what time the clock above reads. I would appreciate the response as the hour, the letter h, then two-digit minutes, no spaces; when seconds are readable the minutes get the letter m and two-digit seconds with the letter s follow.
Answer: 5h05
